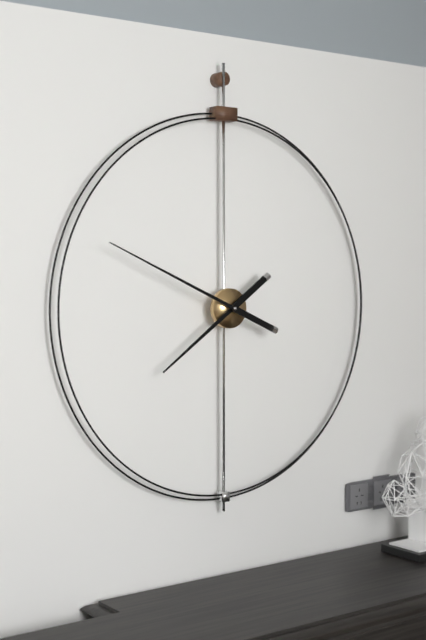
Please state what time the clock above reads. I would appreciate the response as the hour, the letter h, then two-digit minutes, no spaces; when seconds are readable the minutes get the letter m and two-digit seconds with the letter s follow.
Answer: 7h49
